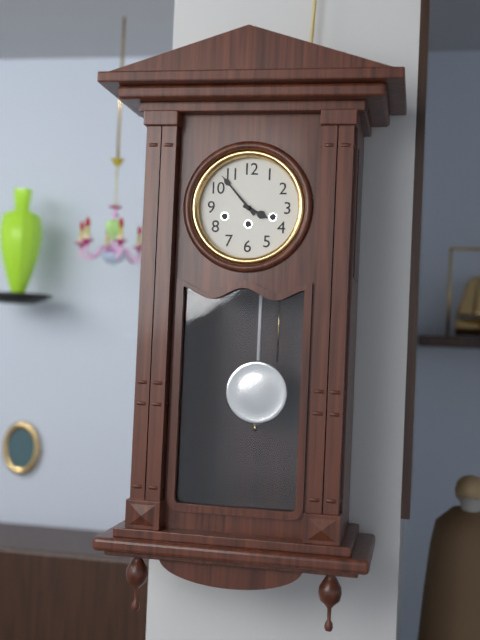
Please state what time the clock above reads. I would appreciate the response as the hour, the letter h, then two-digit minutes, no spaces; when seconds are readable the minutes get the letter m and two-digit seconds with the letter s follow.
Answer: 3h53
